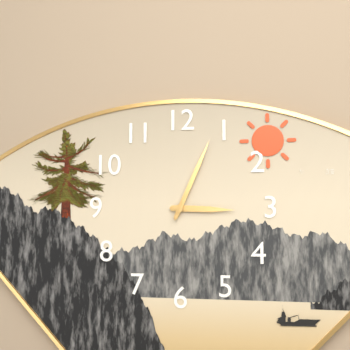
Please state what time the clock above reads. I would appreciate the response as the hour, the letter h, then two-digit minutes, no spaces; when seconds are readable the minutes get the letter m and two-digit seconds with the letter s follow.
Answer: 3h04
